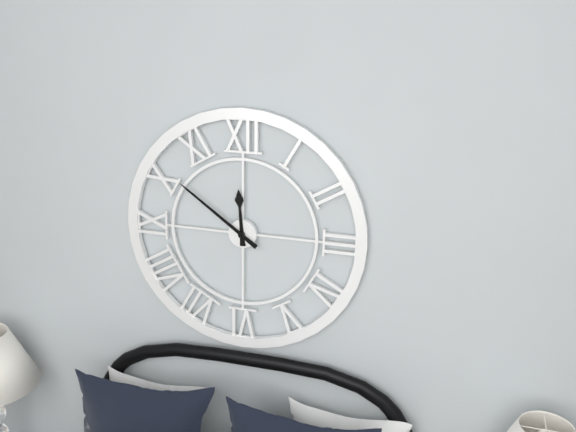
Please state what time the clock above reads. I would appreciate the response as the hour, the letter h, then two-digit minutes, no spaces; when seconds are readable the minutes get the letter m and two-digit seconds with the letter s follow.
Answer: 11h51
